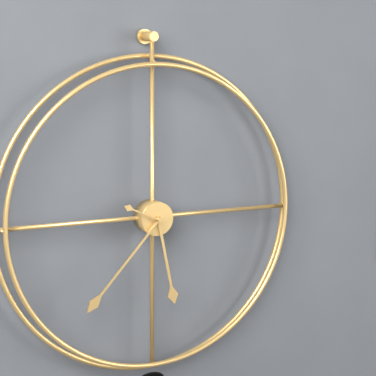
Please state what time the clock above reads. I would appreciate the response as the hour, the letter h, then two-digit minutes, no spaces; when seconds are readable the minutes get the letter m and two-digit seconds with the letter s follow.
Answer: 5h37
